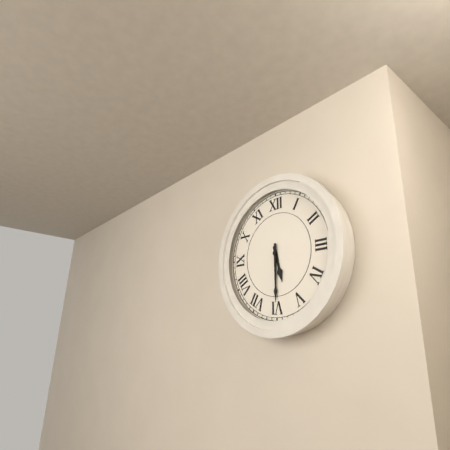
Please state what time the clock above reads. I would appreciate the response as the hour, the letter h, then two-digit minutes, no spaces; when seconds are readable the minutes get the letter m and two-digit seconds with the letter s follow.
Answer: 5h30
